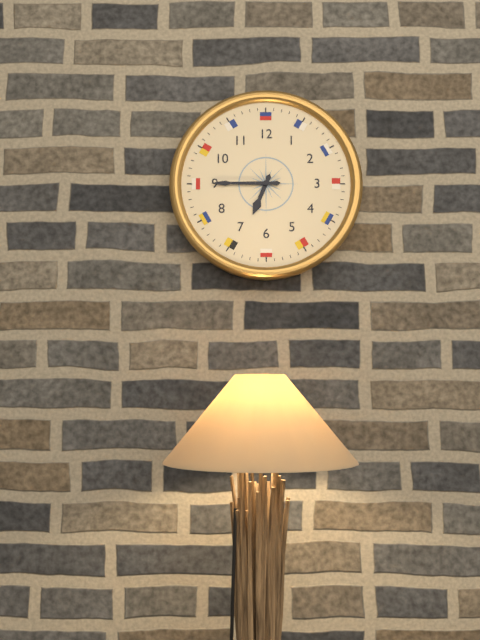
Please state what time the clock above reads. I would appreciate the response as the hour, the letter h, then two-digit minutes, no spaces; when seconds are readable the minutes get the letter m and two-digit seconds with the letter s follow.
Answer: 6h45
